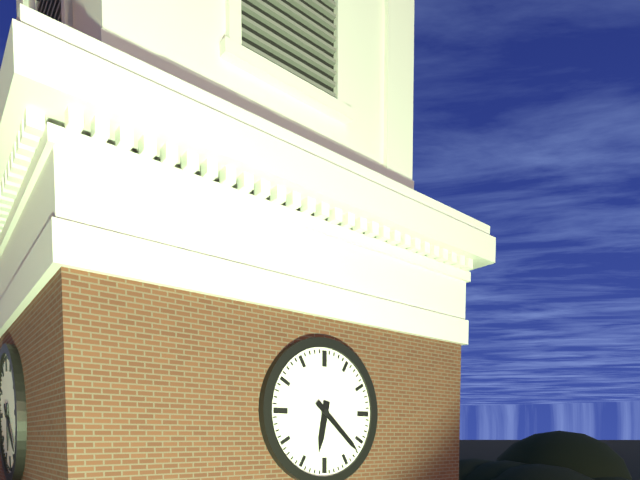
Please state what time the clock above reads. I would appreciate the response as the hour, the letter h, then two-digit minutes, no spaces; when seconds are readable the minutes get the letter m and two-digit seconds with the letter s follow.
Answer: 6h22
